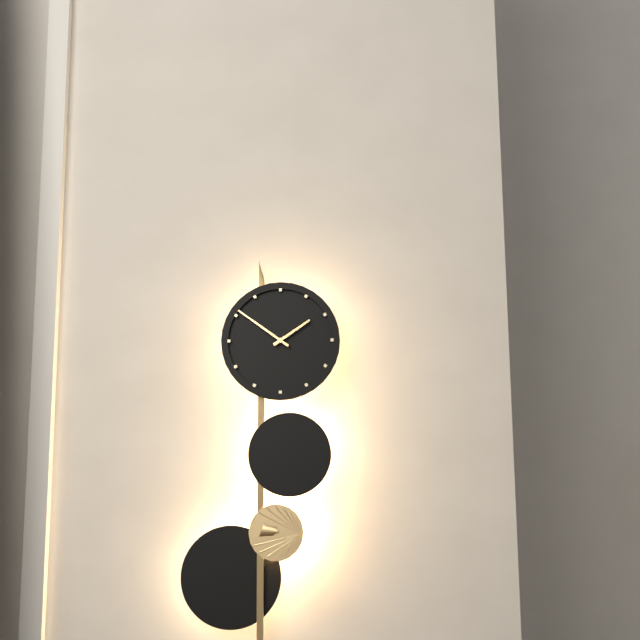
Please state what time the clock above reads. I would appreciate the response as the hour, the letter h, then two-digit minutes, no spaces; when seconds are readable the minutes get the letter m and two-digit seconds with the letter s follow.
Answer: 1h51
